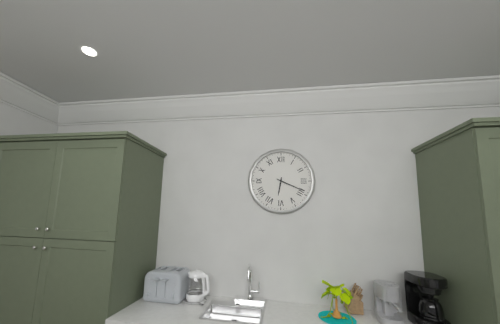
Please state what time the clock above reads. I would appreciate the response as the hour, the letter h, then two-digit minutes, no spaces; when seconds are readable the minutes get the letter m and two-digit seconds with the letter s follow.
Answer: 6h19
